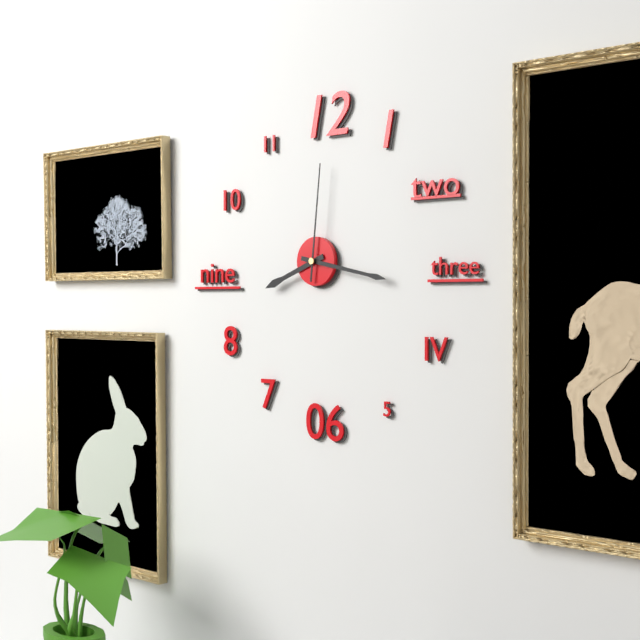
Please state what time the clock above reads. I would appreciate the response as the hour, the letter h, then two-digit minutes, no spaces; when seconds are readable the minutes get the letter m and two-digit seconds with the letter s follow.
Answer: 8h17m01s
